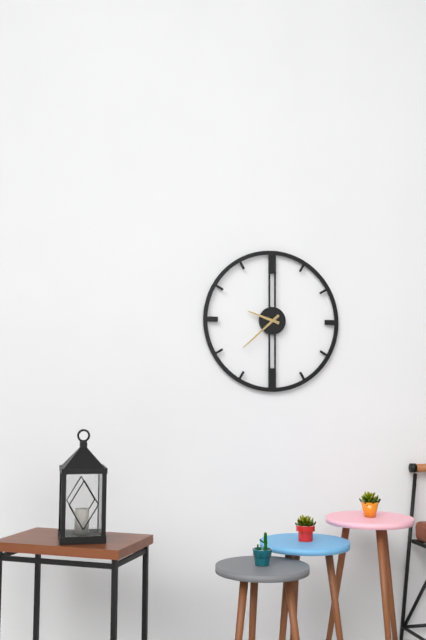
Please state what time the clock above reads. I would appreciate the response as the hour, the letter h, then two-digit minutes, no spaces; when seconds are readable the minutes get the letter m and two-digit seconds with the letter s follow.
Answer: 9h38
